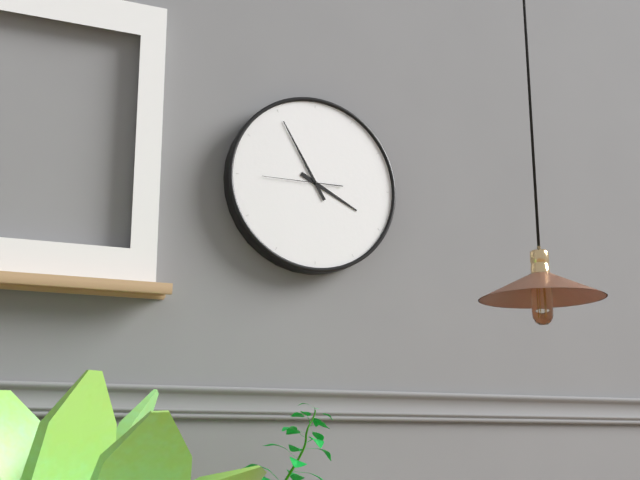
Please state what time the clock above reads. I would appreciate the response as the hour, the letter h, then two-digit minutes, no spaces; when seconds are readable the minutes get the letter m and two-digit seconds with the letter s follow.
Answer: 3h55m45s
